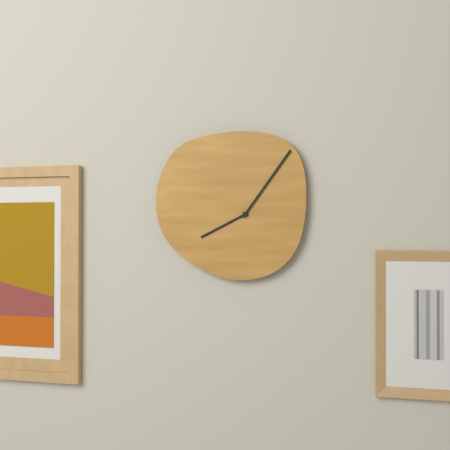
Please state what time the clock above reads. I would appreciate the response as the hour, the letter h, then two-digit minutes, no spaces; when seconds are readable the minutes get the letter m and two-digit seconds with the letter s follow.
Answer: 8h06
